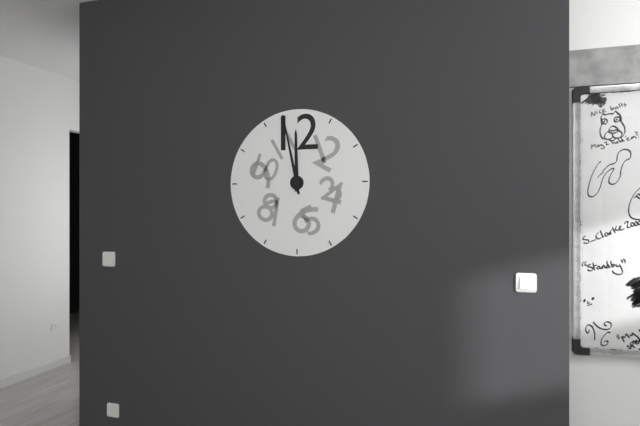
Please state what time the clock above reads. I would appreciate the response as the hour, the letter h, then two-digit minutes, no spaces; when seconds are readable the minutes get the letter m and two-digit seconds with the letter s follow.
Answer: 11h58
